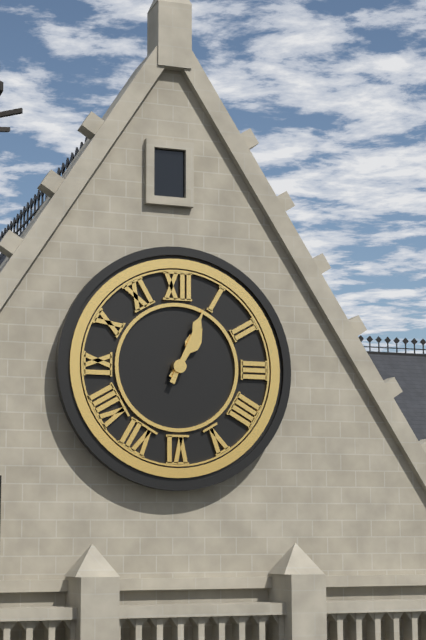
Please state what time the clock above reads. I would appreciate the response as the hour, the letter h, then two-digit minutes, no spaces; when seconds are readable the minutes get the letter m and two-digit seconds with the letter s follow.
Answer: 1h04
